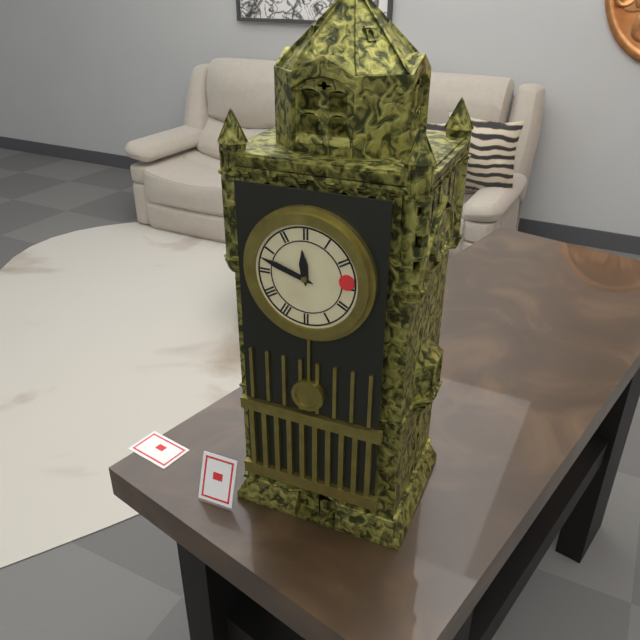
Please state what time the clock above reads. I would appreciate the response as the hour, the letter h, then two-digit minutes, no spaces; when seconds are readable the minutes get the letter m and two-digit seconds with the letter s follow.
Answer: 11h48
